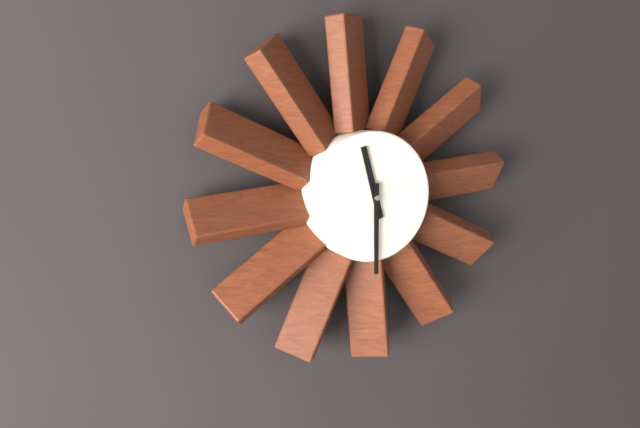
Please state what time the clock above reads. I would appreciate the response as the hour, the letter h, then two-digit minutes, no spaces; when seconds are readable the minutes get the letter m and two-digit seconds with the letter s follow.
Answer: 11h30
